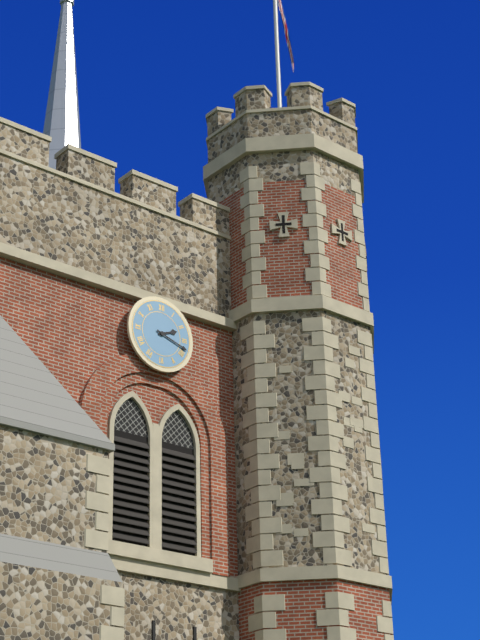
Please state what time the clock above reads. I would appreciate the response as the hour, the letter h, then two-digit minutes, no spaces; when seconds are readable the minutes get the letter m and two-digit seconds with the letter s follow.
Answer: 2h18
